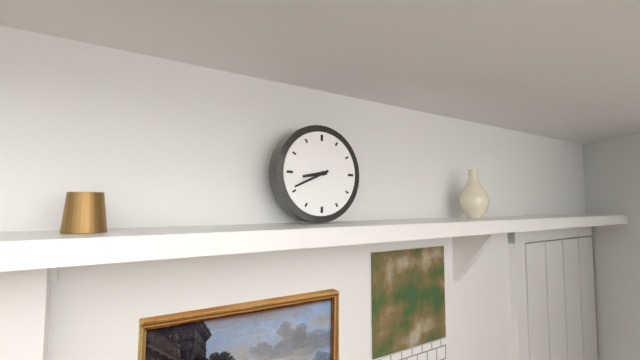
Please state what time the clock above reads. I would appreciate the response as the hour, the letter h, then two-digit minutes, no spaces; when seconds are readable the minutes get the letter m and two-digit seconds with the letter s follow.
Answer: 8h41
